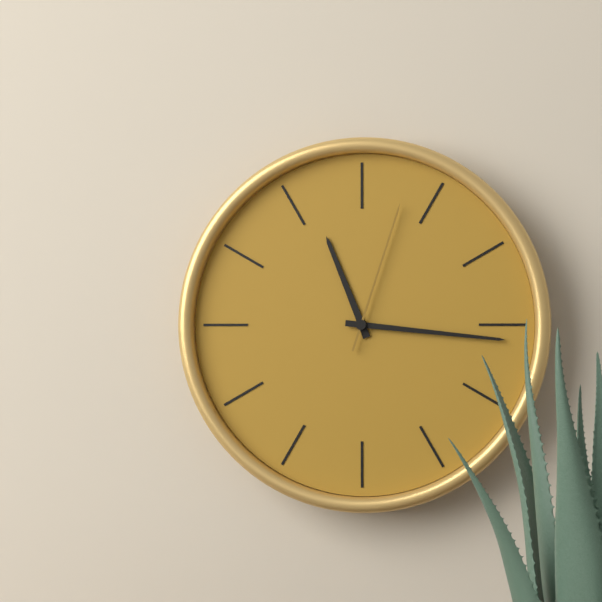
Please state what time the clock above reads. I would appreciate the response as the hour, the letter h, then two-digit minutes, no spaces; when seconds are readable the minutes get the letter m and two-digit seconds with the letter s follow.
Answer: 11h16m03s
